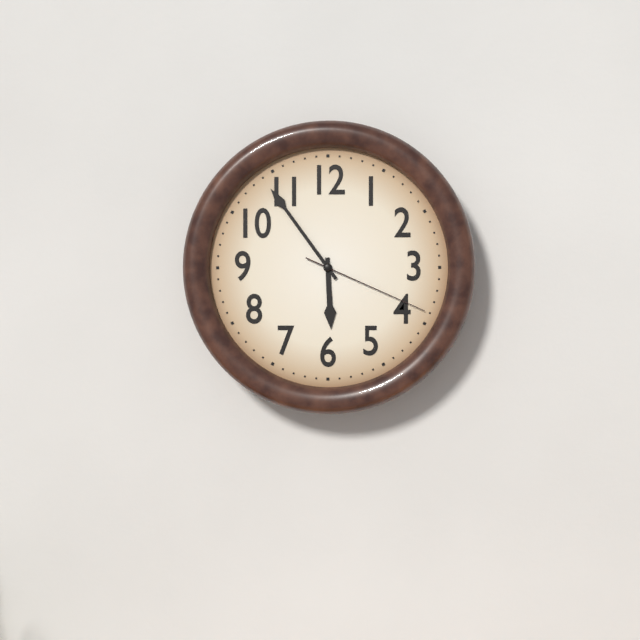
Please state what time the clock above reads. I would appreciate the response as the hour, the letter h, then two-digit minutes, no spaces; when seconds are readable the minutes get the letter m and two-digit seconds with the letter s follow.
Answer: 5h54m19s
